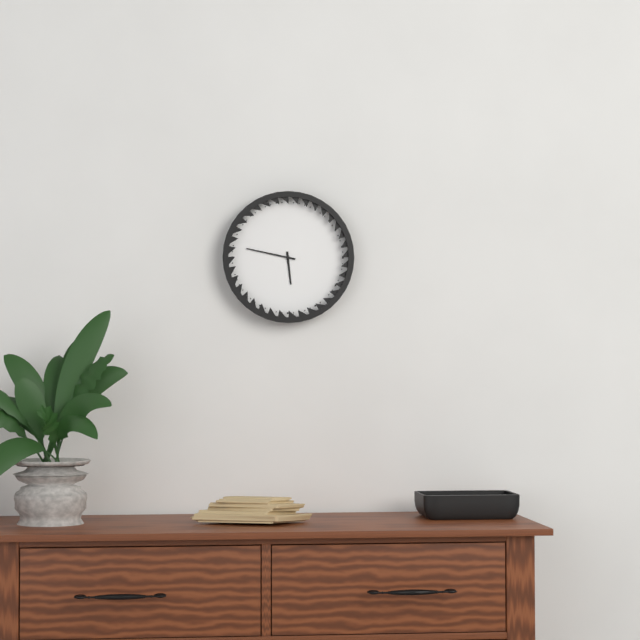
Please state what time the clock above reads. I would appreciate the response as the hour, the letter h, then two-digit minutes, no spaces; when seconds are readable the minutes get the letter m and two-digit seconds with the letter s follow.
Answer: 5h47
